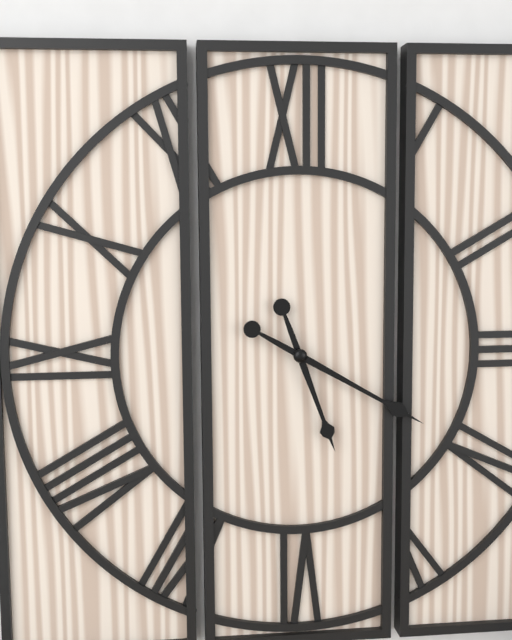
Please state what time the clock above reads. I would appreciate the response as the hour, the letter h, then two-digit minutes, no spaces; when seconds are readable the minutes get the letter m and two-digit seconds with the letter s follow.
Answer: 5h20
